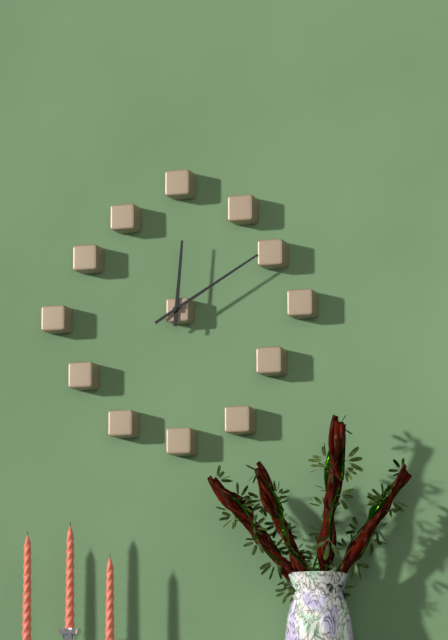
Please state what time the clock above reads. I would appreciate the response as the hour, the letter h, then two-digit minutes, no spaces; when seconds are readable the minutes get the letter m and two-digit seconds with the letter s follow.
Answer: 12h10
